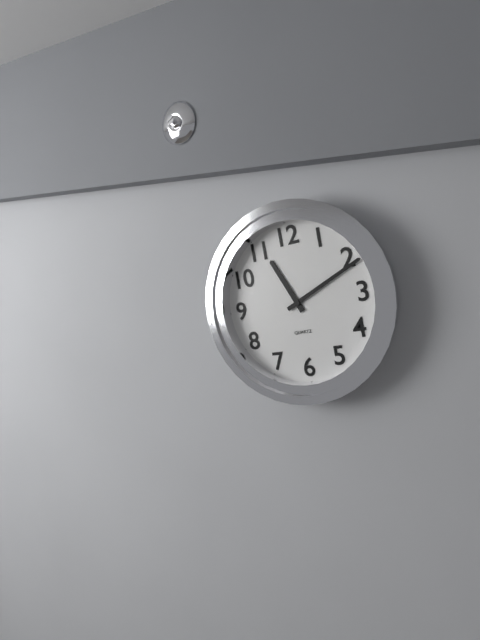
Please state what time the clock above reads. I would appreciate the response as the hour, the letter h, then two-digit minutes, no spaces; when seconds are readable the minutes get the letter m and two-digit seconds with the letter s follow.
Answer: 11h11
